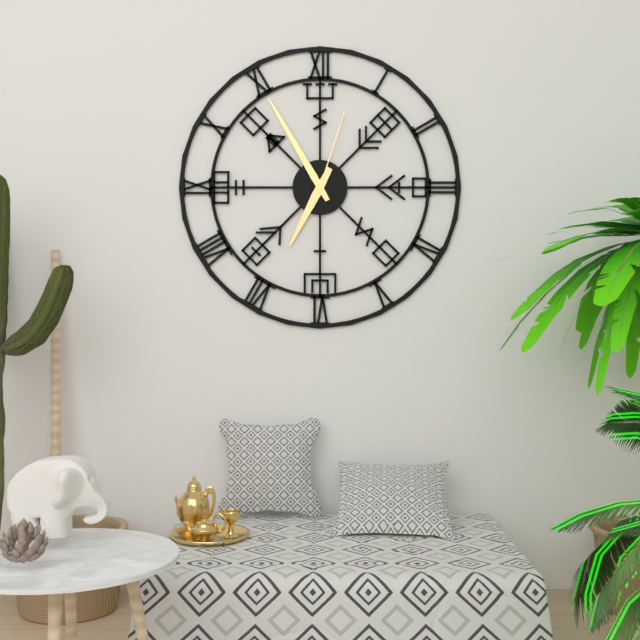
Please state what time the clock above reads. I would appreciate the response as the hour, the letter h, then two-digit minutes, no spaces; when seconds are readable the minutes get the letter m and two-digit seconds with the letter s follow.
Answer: 6h55m03s
